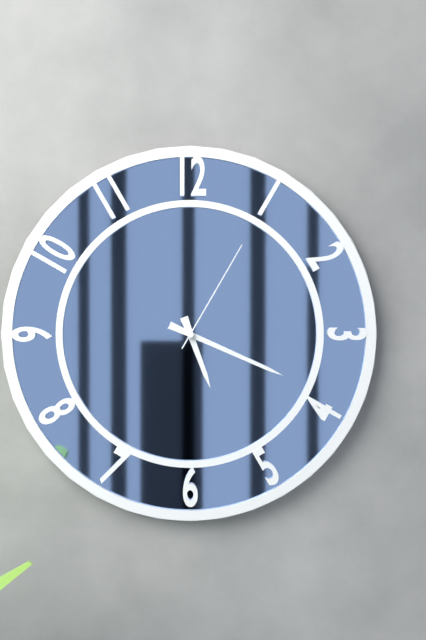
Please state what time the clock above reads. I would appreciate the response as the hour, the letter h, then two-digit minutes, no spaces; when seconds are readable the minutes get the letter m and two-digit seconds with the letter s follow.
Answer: 5h19m05s
